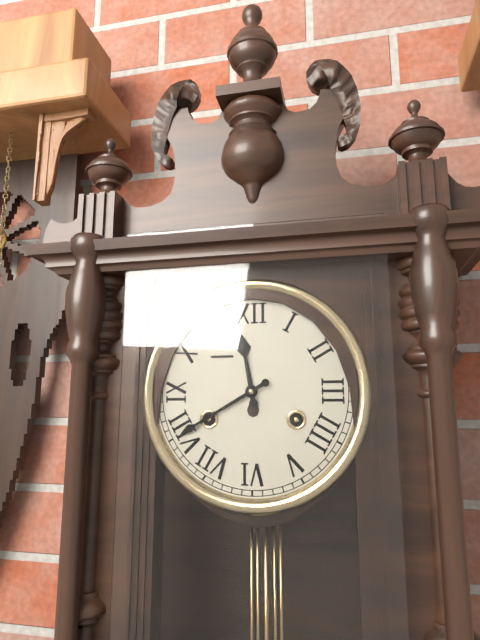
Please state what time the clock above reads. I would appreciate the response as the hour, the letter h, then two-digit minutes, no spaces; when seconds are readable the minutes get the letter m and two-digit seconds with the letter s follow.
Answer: 11h40
